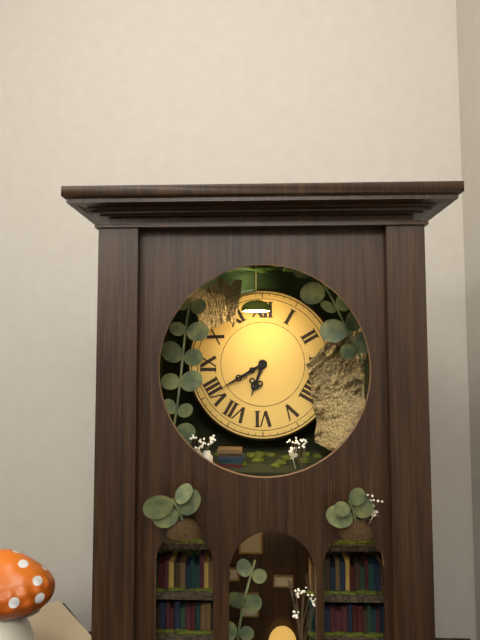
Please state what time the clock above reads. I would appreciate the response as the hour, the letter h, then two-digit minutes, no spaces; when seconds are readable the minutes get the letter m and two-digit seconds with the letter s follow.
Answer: 6h40
